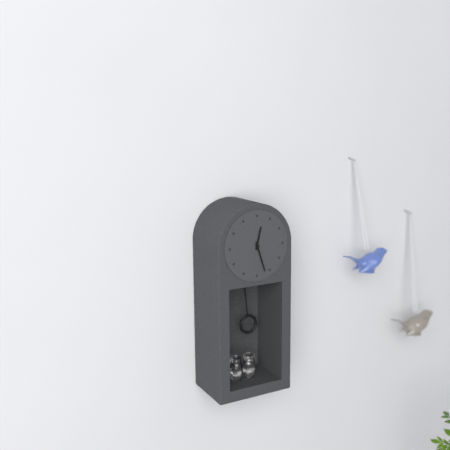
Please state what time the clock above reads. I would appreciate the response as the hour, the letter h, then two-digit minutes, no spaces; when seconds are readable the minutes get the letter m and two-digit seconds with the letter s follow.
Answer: 12h27
